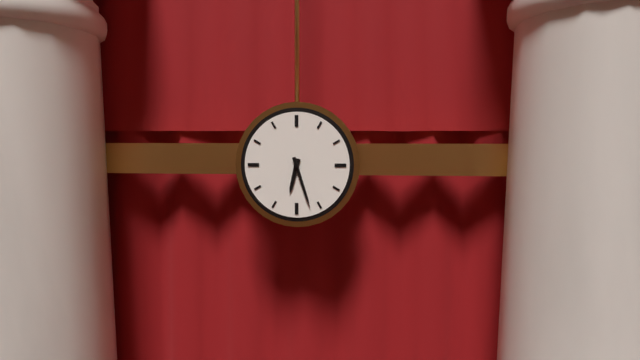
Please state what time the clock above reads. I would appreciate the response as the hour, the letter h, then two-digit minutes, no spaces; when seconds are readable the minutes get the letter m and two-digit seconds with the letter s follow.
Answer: 6h27
